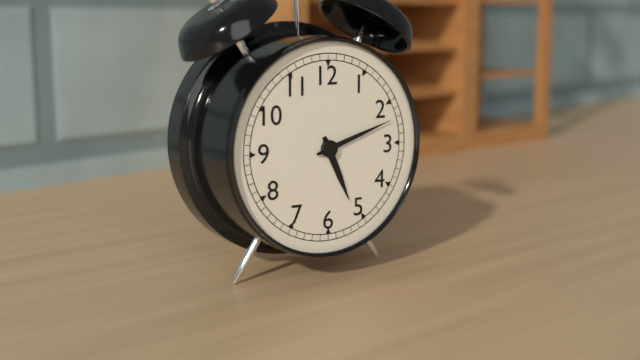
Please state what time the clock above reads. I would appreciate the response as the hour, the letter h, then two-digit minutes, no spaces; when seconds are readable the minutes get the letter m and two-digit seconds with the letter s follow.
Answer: 5h12
